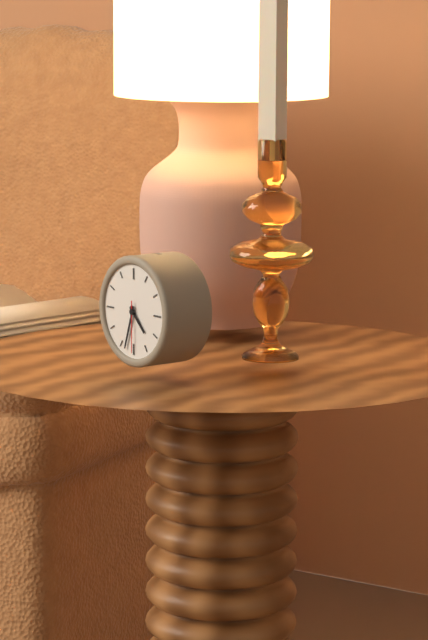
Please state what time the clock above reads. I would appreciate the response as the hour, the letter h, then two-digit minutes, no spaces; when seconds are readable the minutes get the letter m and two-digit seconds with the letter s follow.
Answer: 4h33m30s
